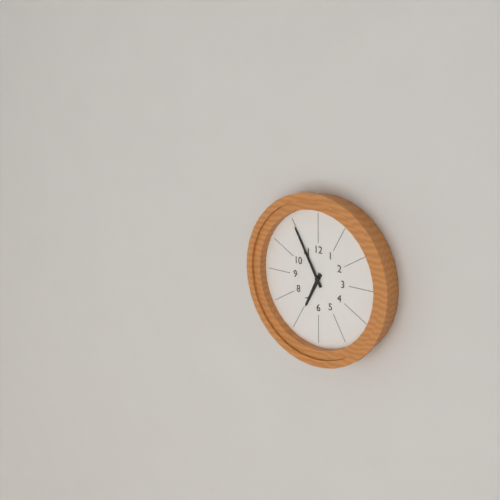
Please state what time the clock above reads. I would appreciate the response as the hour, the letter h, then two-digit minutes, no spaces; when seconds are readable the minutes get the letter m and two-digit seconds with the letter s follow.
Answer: 6h55
